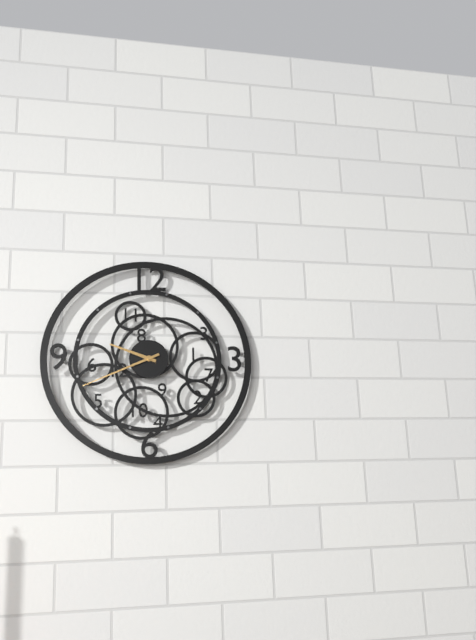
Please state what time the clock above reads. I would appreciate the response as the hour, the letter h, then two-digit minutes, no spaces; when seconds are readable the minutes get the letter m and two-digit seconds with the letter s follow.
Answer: 9h41
